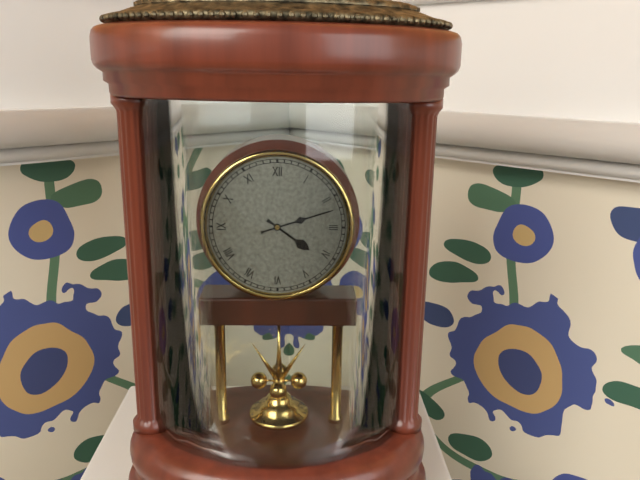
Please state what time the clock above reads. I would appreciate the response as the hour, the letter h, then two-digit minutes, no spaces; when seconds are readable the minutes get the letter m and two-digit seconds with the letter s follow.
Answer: 4h12
